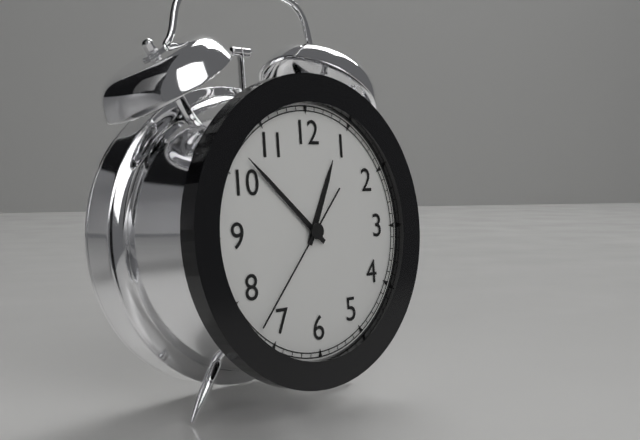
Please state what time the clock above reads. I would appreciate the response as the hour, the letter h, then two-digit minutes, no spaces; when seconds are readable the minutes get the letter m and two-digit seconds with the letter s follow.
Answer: 12h52m37s
